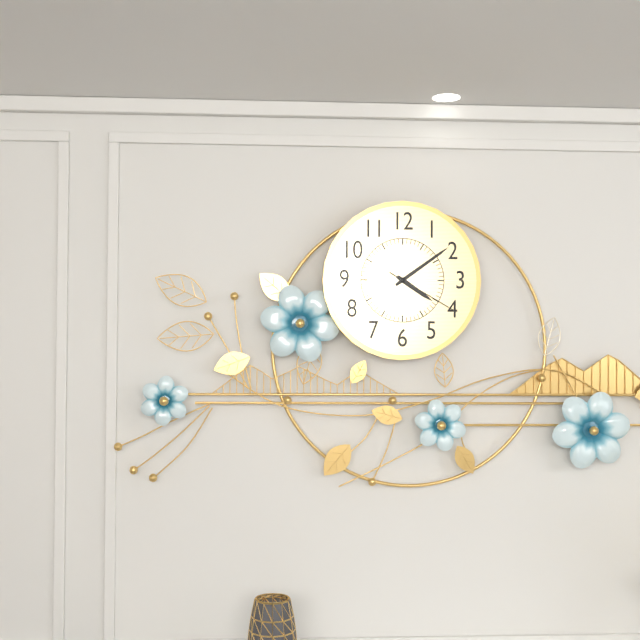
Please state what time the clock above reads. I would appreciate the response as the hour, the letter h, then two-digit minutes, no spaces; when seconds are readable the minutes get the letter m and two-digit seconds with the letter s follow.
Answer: 4h09m20s
